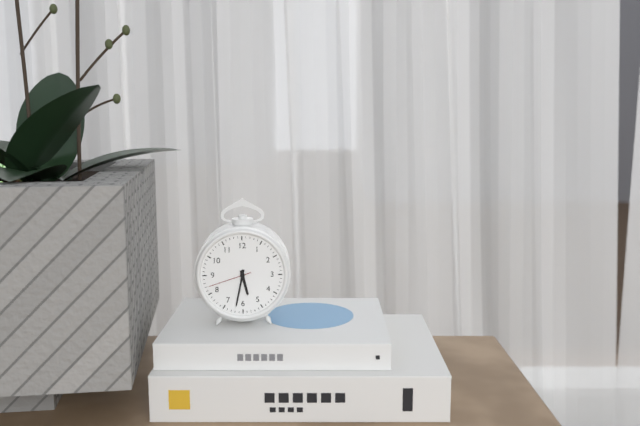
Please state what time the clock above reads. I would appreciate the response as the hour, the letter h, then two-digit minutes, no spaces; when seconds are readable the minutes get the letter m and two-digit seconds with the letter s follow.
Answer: 5h32
